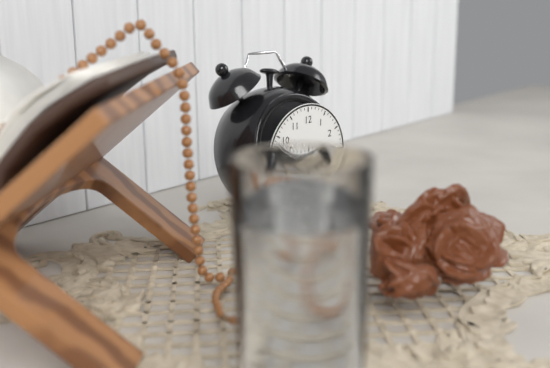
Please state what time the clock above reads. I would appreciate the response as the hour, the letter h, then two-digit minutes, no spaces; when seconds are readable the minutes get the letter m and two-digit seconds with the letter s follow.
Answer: 2h46
